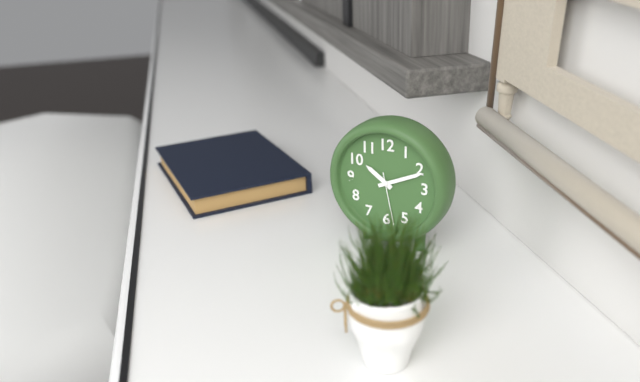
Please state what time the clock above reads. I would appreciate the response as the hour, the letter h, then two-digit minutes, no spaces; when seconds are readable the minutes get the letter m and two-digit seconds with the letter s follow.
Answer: 10h11m28s
